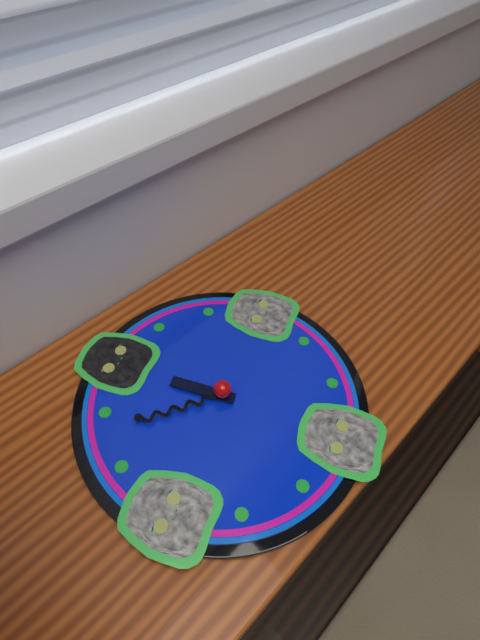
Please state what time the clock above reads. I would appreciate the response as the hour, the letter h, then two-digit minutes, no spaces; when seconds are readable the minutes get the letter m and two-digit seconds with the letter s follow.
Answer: 11h53
